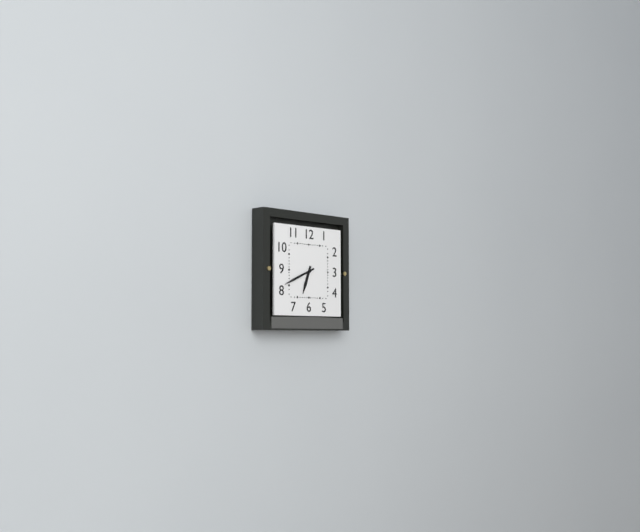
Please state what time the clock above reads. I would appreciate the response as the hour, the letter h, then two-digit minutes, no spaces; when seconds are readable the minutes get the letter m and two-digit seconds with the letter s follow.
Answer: 6h41
